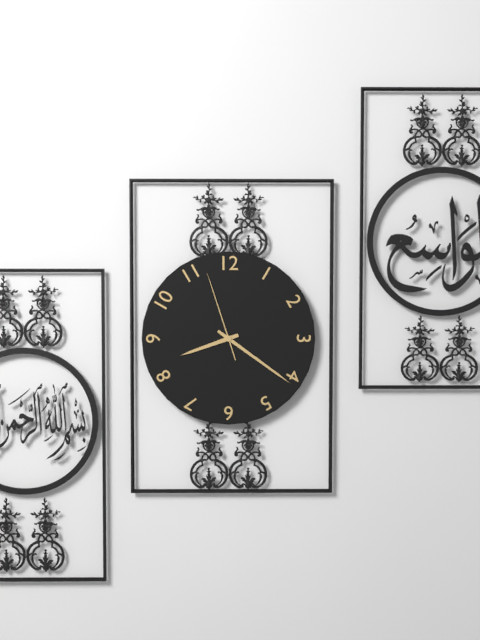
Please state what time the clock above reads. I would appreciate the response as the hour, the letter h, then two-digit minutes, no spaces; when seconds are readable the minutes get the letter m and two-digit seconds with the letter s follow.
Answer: 8h21m57s
